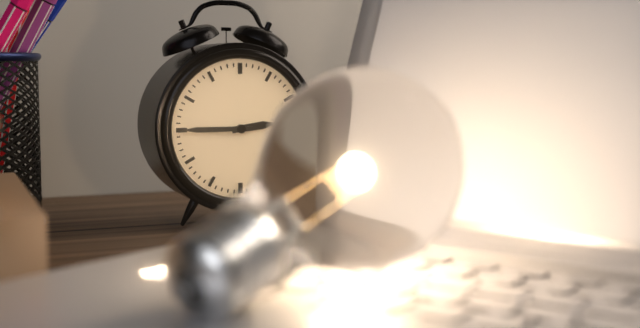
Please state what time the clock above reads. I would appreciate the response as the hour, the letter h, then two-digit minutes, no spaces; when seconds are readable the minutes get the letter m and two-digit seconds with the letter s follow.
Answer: 2h45
